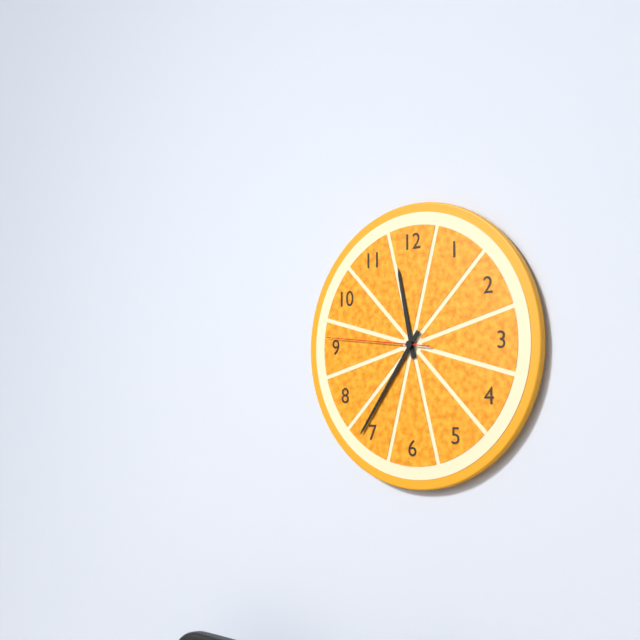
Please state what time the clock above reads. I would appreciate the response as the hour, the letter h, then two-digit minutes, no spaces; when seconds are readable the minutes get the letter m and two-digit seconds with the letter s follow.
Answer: 11h36m46s
